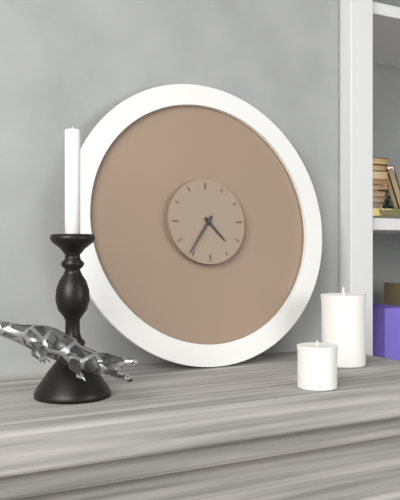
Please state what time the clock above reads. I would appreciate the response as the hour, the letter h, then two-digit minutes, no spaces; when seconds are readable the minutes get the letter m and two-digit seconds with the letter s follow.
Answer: 4h36
